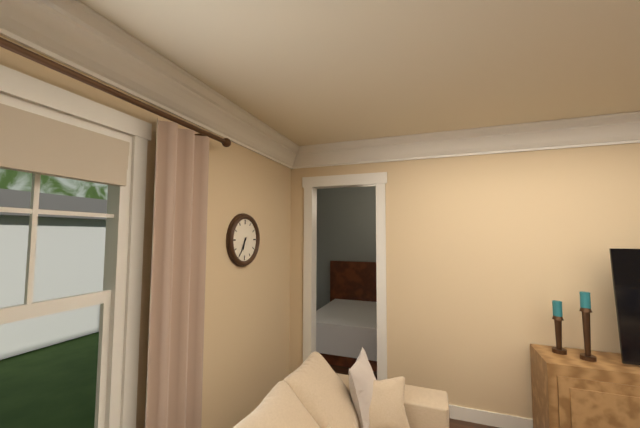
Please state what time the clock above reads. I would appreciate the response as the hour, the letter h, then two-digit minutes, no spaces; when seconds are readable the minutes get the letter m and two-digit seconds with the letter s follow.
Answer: 6h35
